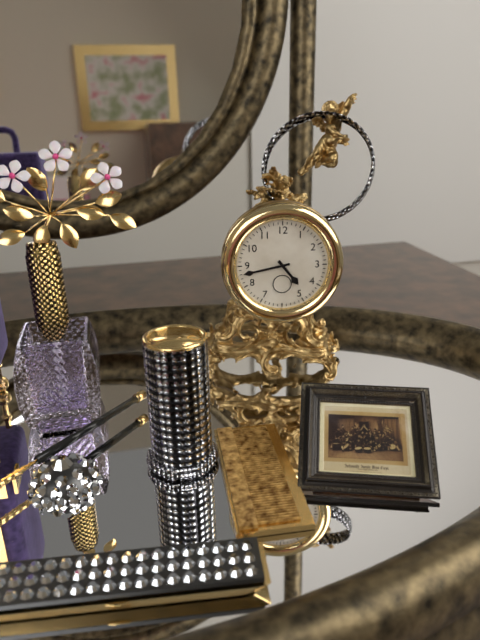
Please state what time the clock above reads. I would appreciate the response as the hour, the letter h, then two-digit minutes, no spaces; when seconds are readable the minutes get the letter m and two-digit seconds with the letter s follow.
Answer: 4h43
